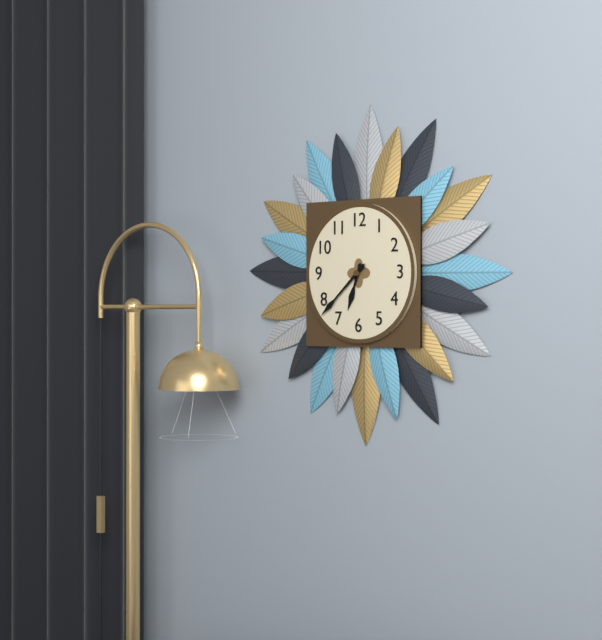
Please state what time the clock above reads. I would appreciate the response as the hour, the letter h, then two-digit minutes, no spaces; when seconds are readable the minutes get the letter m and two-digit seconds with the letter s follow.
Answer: 6h38
